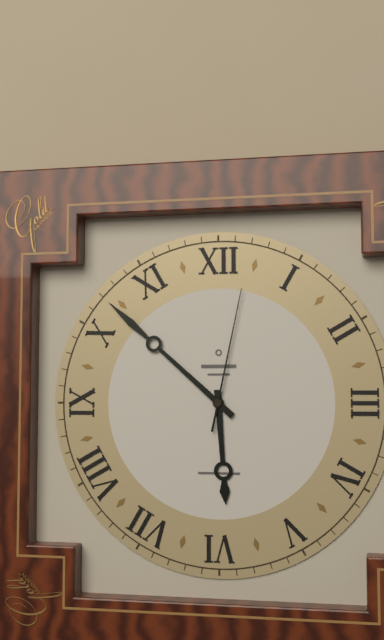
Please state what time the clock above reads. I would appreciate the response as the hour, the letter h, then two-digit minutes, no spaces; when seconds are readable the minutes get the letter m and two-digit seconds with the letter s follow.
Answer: 5h52m02s
